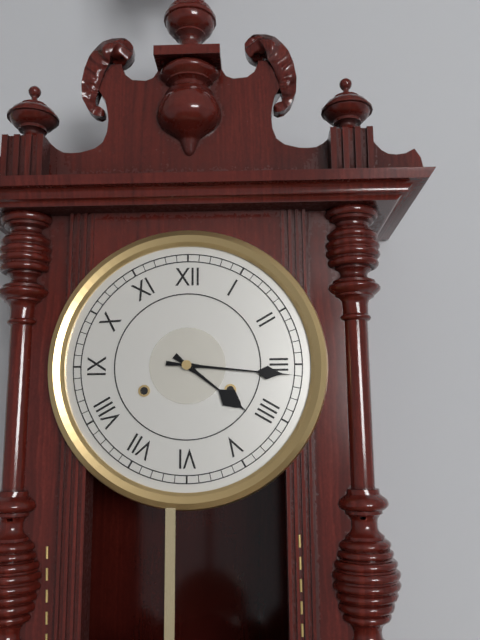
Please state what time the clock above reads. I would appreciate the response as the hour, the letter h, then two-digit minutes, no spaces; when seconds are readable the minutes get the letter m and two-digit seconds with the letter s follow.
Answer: 4h16
